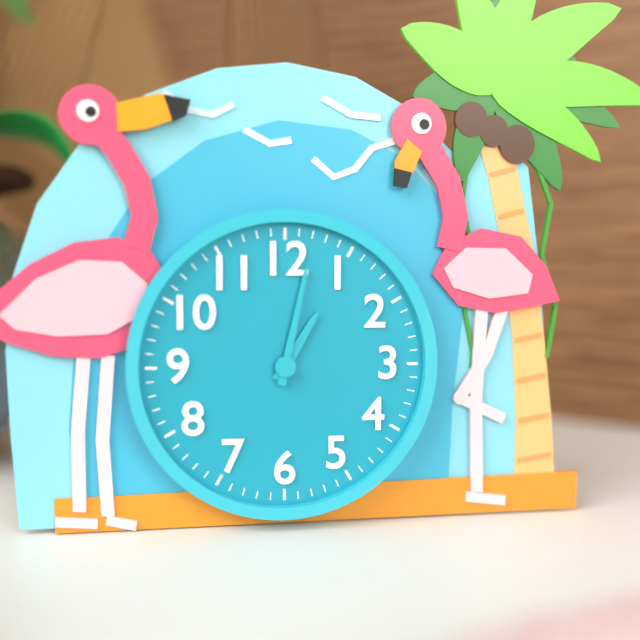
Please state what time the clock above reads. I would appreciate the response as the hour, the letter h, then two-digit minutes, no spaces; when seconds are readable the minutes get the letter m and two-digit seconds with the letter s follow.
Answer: 1h02
